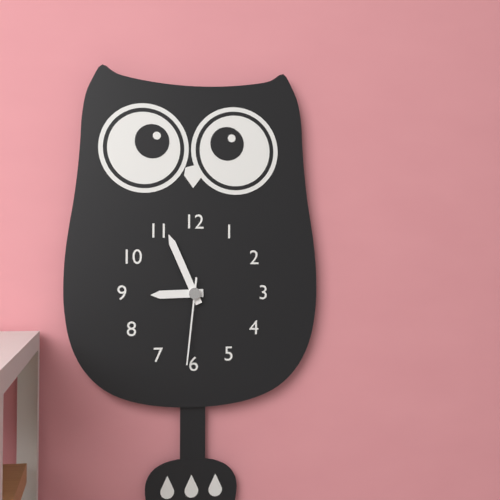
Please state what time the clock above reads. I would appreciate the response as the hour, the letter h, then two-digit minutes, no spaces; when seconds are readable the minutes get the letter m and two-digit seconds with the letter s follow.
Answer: 8h56m31s
